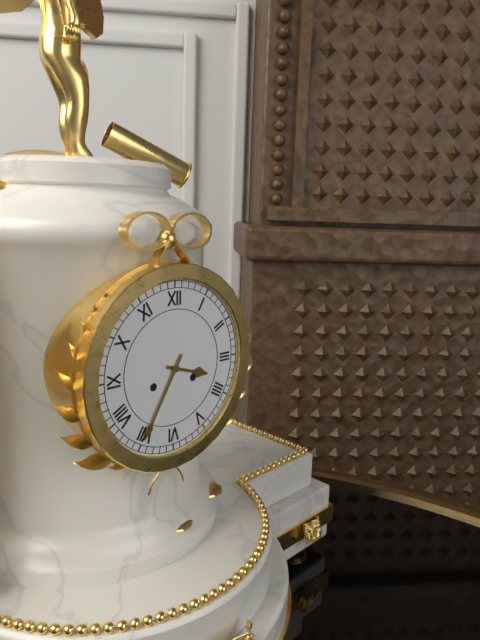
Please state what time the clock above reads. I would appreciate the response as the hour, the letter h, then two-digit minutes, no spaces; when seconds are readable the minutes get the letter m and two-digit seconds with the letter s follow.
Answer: 3h35
